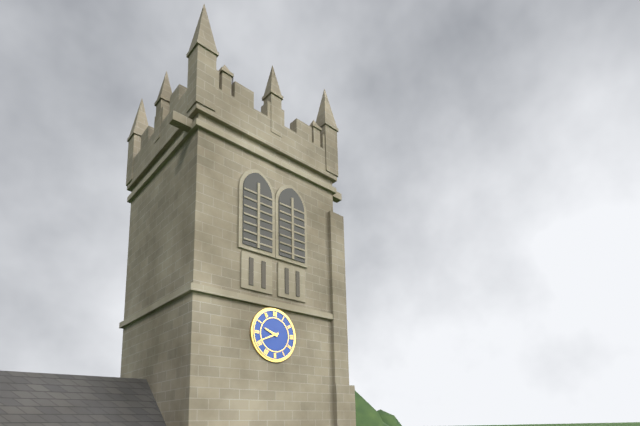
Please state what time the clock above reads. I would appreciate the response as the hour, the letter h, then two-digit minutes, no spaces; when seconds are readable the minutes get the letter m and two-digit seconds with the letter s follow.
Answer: 9h41
